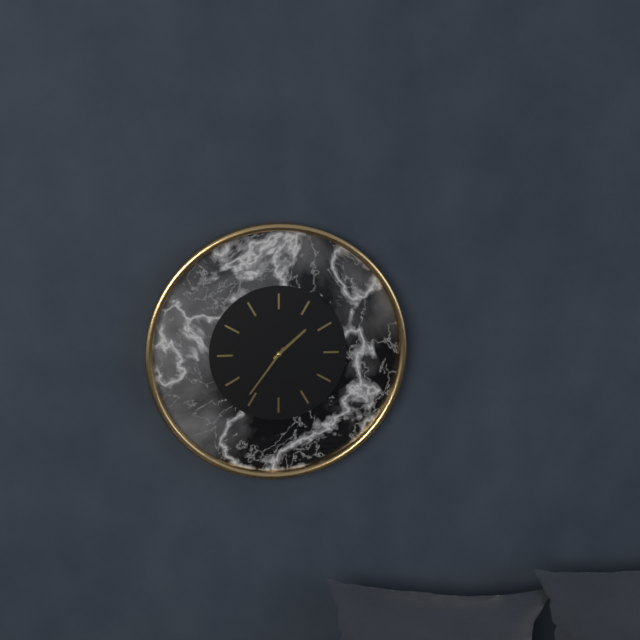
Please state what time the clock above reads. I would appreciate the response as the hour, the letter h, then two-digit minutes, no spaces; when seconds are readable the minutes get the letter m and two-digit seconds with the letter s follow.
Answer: 1h36
